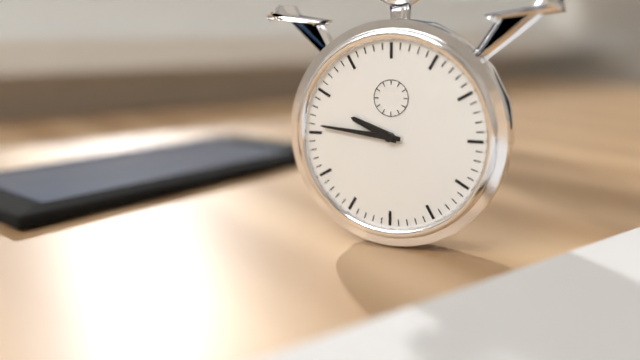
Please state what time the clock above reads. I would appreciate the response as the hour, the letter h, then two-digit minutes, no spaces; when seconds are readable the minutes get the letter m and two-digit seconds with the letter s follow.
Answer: 9h46
